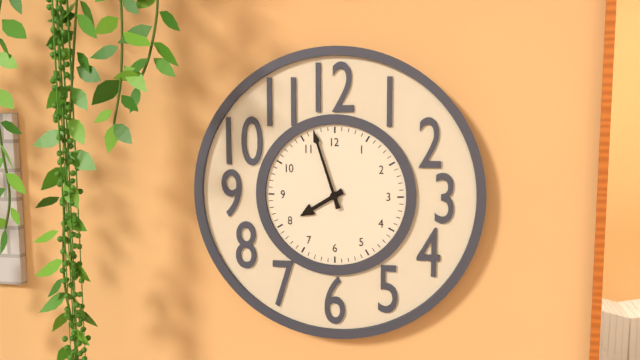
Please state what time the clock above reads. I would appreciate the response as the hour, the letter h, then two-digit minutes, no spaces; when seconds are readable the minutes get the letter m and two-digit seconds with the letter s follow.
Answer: 7h57
